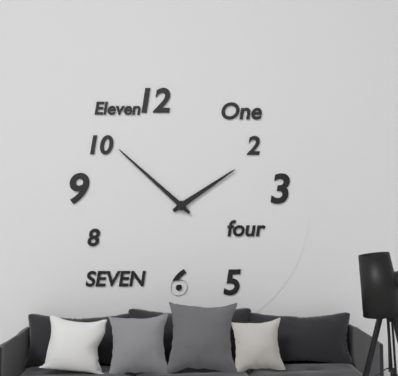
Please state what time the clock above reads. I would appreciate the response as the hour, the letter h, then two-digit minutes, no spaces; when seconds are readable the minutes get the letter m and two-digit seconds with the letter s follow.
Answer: 1h52
